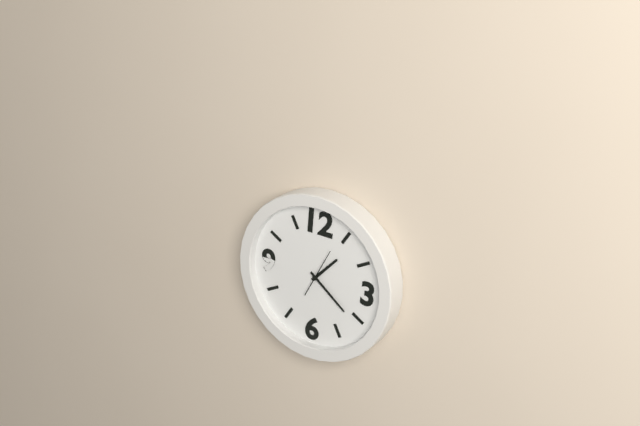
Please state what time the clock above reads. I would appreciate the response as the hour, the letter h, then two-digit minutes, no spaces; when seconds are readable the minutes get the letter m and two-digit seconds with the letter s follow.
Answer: 1h21
